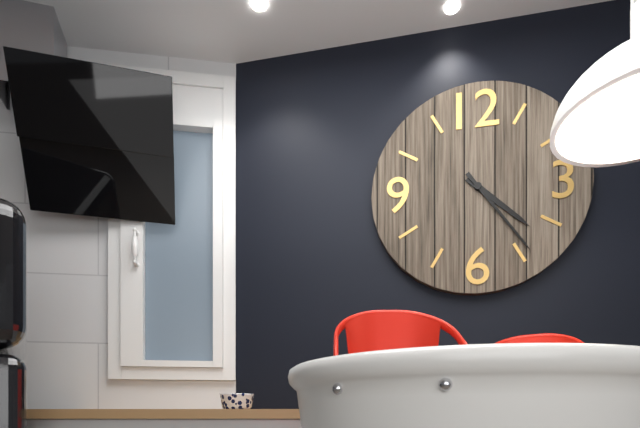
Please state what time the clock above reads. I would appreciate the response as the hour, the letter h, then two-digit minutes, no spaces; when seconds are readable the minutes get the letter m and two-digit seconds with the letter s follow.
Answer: 4h24
